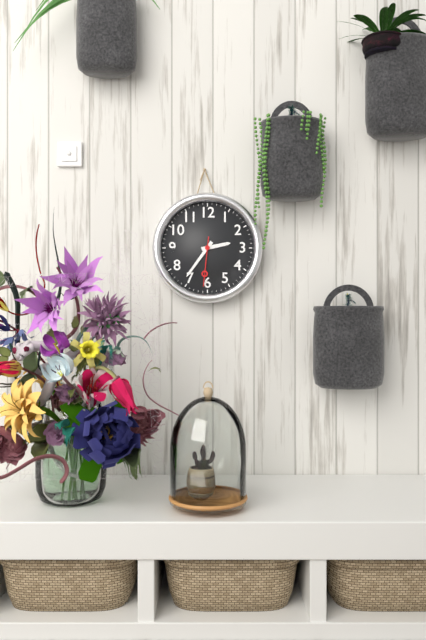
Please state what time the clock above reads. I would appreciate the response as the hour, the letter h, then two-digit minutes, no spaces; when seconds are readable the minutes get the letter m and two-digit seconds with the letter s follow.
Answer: 2h36
